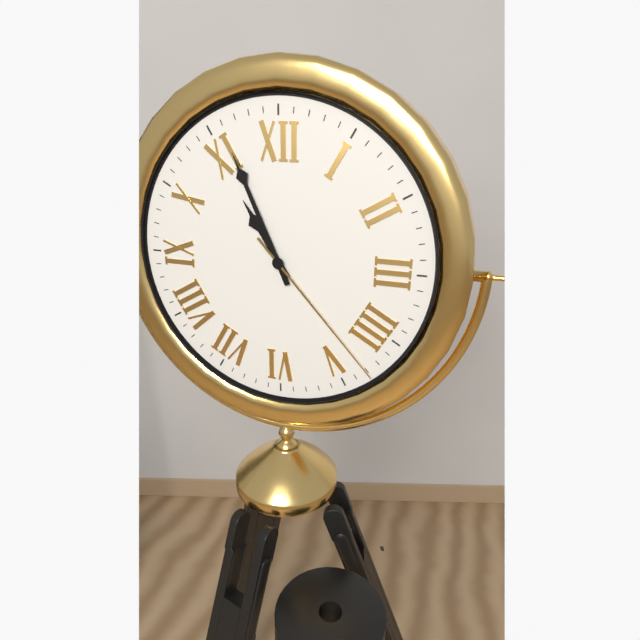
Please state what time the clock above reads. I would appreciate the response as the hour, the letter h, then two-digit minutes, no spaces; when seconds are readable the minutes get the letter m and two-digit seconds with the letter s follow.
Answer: 10h56m23s
